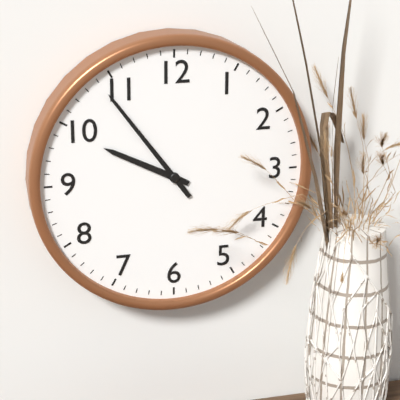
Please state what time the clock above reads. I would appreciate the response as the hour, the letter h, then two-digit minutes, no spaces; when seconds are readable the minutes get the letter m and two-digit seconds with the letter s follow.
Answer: 9h54
